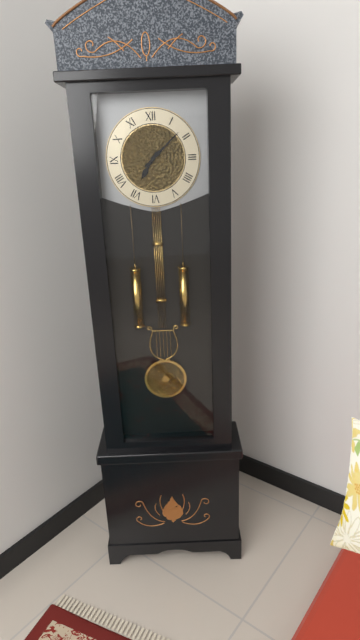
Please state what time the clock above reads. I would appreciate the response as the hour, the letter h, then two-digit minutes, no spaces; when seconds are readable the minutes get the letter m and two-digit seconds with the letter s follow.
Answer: 7h08
